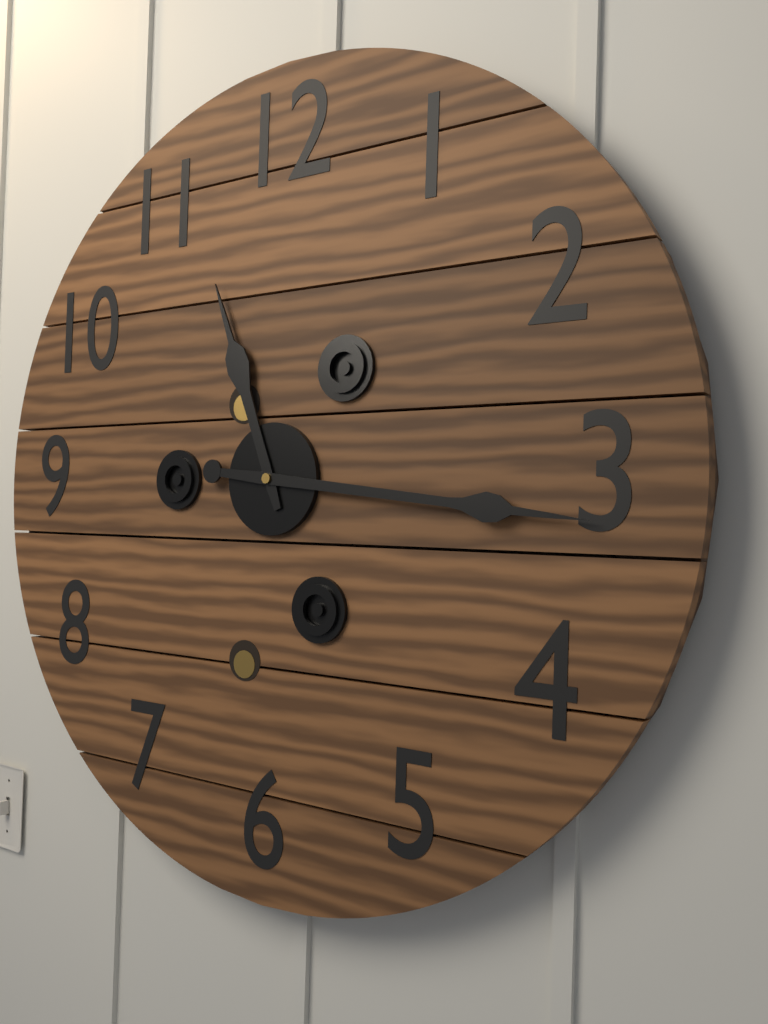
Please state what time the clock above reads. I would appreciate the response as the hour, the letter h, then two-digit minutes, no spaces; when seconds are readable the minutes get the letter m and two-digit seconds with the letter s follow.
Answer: 11h16
